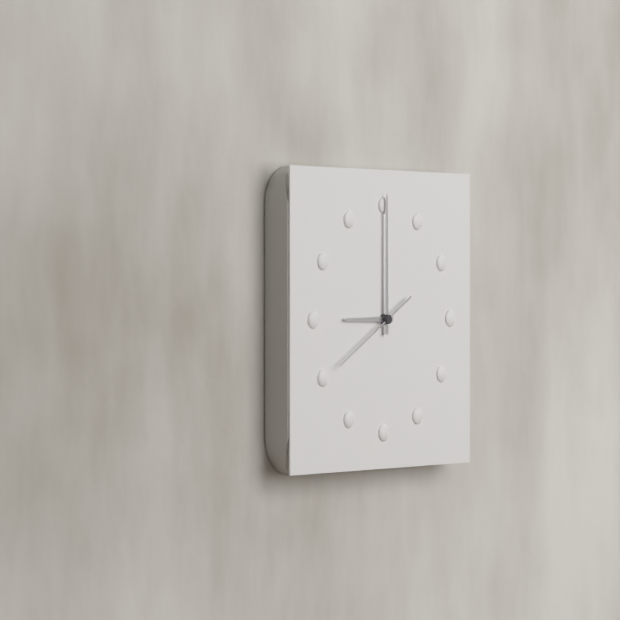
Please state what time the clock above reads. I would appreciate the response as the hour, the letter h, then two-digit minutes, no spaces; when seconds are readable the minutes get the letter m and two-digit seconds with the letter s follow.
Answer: 9h00m40s
